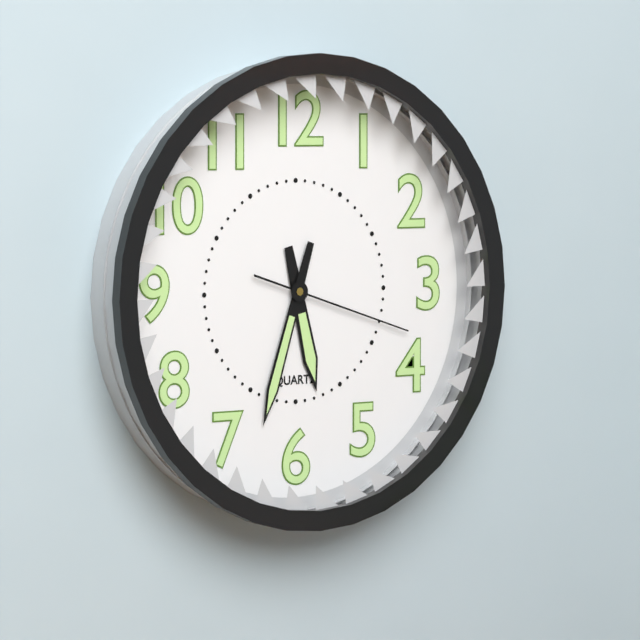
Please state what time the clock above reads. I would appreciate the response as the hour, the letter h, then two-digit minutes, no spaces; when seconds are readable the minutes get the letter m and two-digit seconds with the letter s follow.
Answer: 5h33m18s
